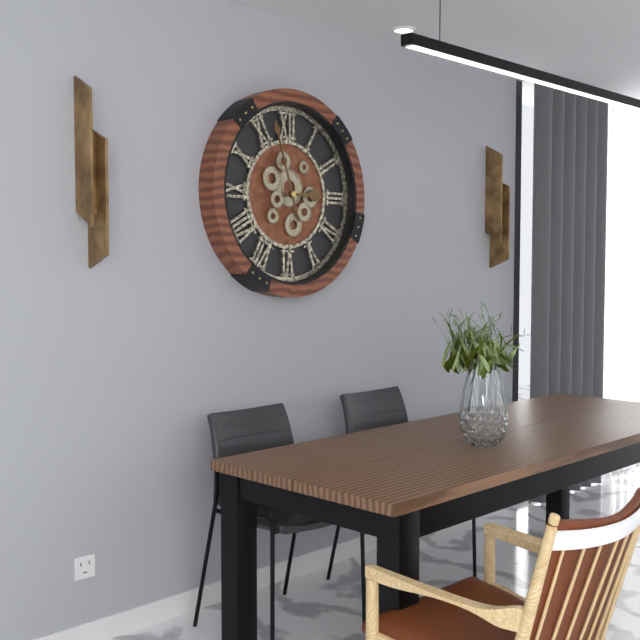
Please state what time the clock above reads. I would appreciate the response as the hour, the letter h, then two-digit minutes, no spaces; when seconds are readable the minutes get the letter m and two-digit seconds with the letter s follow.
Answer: 2h57
